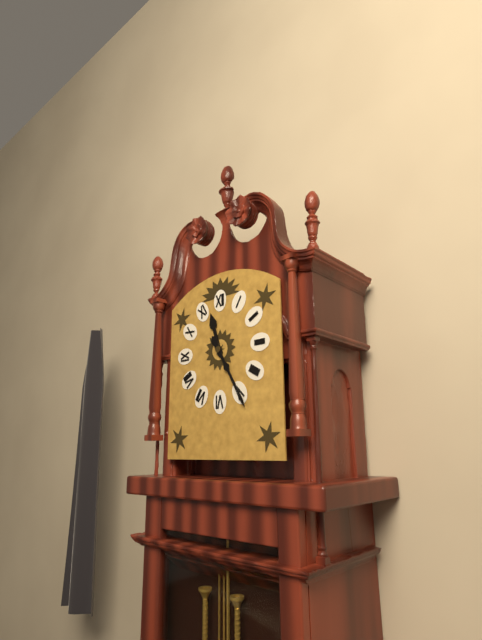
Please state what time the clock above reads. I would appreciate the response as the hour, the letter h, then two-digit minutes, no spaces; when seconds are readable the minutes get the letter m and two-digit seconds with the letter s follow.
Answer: 11h25
